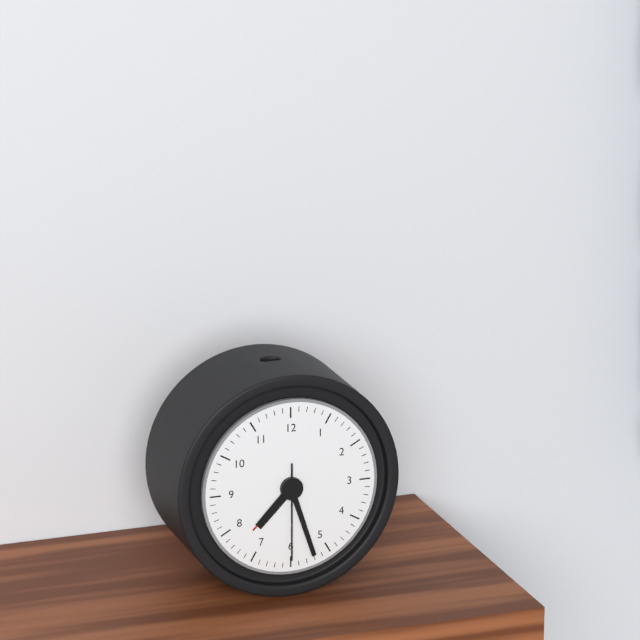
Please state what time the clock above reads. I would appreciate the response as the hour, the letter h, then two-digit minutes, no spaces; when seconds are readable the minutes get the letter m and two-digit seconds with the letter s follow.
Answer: 7h27m30s
